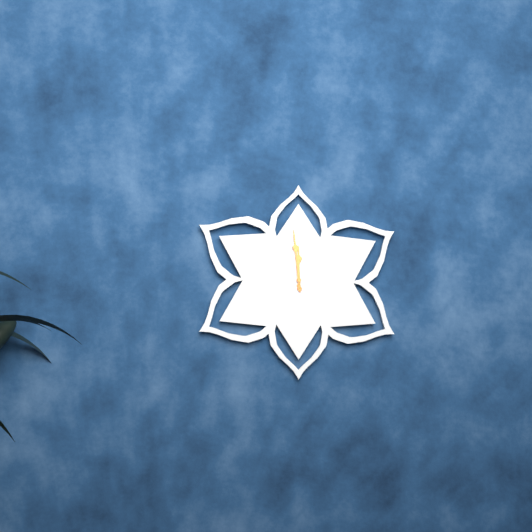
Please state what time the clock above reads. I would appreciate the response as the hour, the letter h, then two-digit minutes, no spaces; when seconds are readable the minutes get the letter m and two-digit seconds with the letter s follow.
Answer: 11h59
